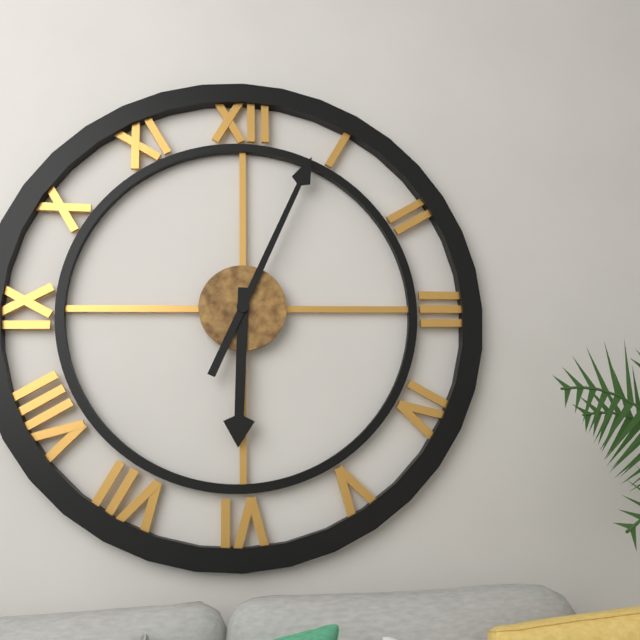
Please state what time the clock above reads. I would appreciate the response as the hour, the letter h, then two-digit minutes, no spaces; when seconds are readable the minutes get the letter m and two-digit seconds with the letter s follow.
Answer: 6h04
